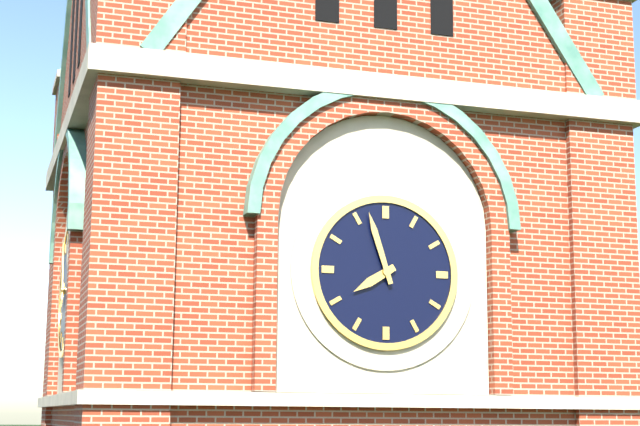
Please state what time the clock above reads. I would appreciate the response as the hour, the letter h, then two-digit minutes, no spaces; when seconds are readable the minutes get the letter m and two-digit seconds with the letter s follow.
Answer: 7h57
